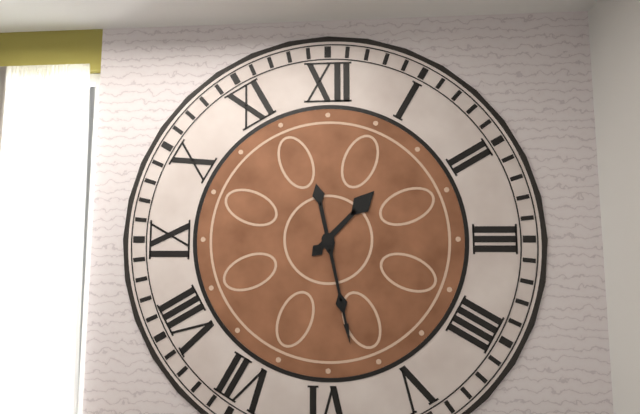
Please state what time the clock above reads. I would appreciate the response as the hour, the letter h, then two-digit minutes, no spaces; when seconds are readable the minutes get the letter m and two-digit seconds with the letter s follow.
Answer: 1h28
